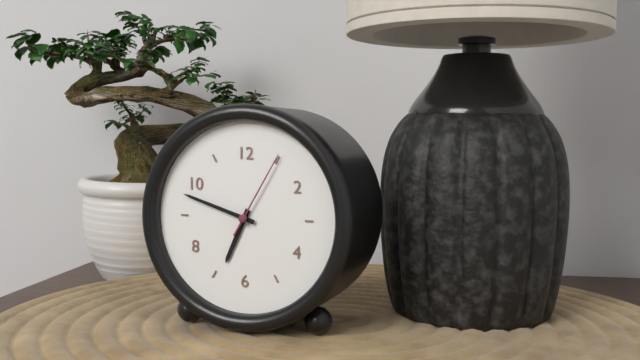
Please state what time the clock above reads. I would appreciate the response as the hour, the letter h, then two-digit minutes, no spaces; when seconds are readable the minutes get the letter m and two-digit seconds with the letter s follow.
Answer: 6h48m05s
